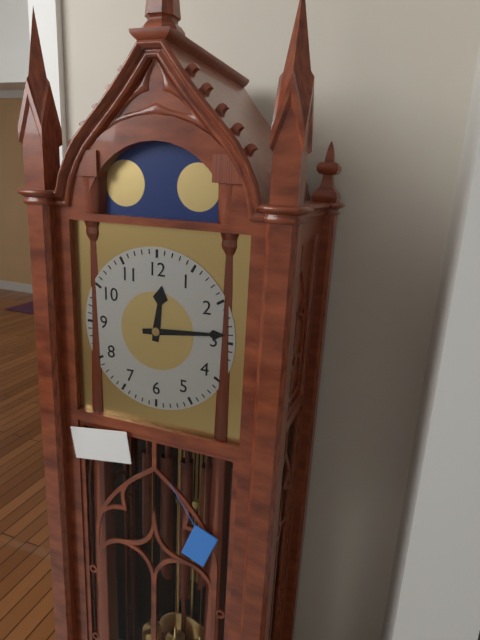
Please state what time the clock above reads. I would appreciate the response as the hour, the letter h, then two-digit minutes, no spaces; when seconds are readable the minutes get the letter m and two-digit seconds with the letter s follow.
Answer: 12h14
